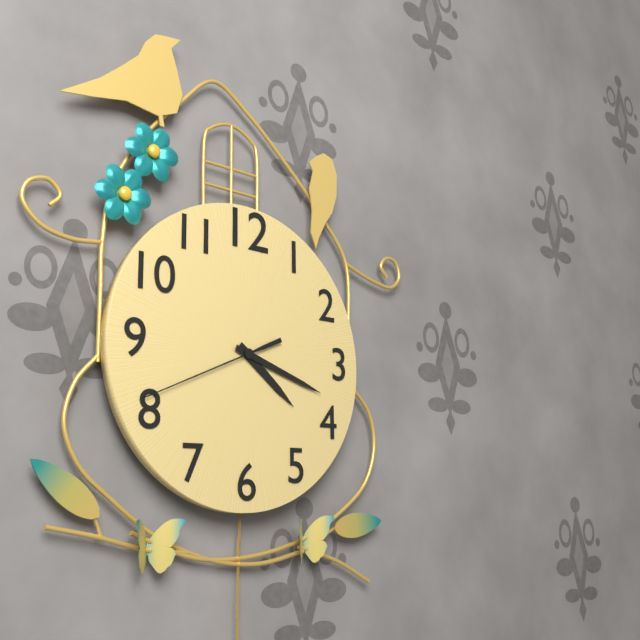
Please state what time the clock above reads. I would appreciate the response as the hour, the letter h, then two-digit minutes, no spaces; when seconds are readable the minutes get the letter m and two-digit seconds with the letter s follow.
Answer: 4h18m41s
